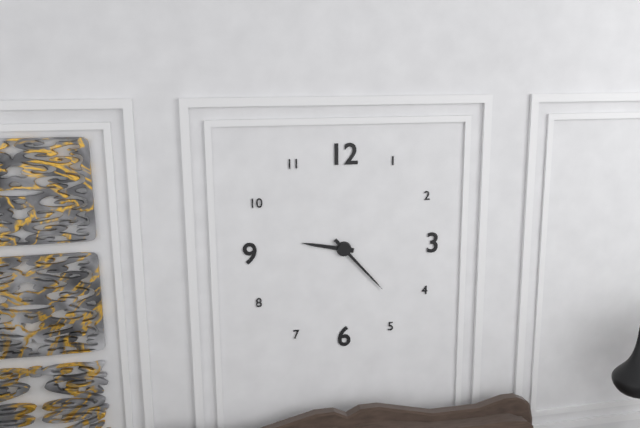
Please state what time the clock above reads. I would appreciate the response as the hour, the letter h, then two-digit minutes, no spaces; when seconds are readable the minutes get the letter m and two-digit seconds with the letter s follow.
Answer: 9h23
